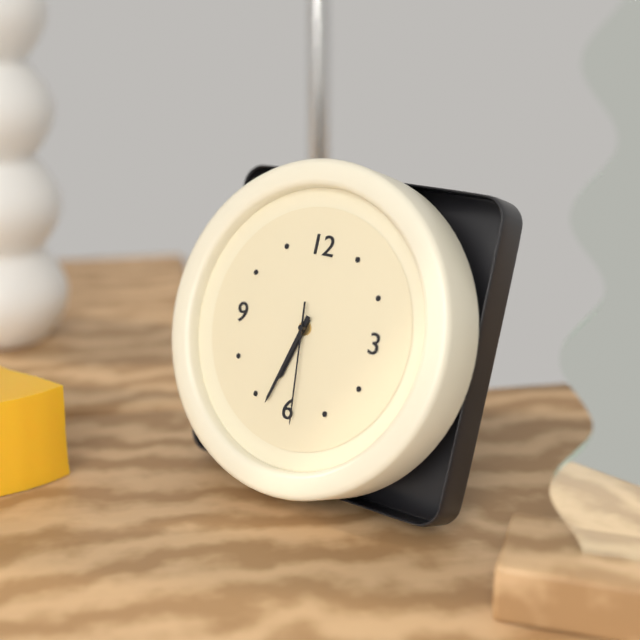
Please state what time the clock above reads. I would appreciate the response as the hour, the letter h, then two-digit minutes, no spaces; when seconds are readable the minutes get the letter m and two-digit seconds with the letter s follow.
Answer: 6h33m29s
